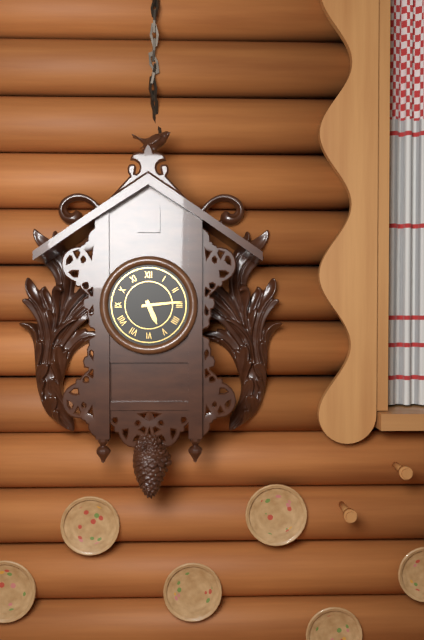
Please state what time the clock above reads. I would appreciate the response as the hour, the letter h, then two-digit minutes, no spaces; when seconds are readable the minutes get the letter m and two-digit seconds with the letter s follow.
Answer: 5h14
